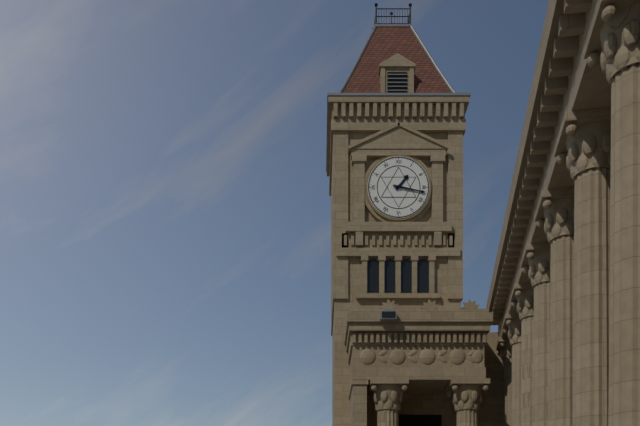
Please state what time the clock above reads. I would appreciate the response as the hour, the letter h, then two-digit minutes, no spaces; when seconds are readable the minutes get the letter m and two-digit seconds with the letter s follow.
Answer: 1h17
